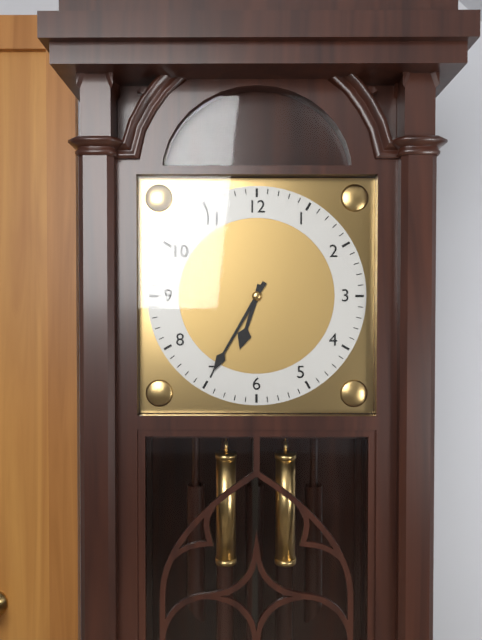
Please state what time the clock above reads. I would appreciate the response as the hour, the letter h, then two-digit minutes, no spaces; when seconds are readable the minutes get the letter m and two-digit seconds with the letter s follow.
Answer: 6h35
